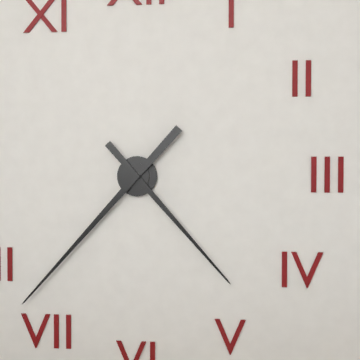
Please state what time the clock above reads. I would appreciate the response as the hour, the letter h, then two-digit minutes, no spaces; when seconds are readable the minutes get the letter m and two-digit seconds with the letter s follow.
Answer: 4h37
